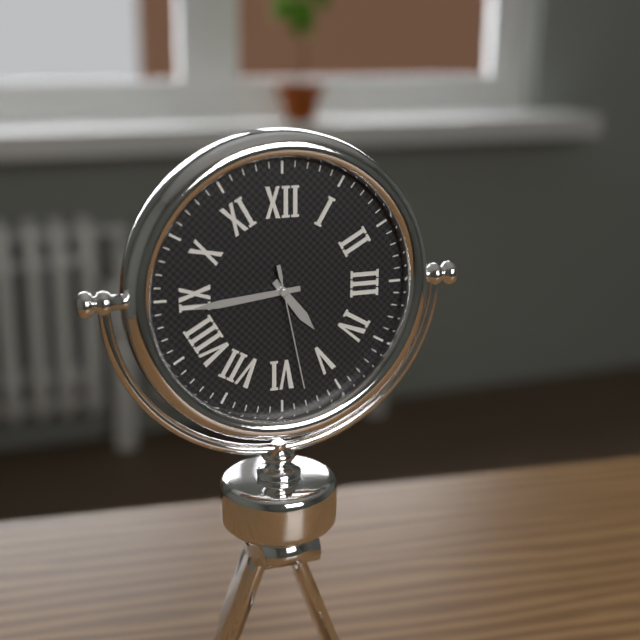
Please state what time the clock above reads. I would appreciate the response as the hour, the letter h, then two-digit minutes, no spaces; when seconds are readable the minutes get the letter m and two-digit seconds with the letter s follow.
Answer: 4h44m28s
